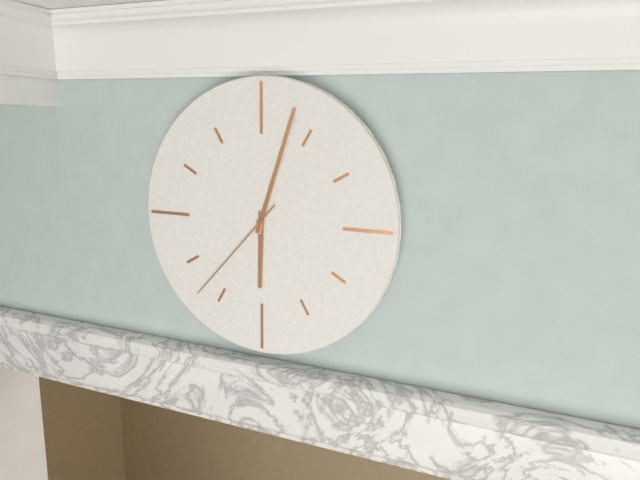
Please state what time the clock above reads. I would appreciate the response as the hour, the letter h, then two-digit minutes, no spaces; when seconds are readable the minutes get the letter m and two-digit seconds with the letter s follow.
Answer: 6h03m37s
